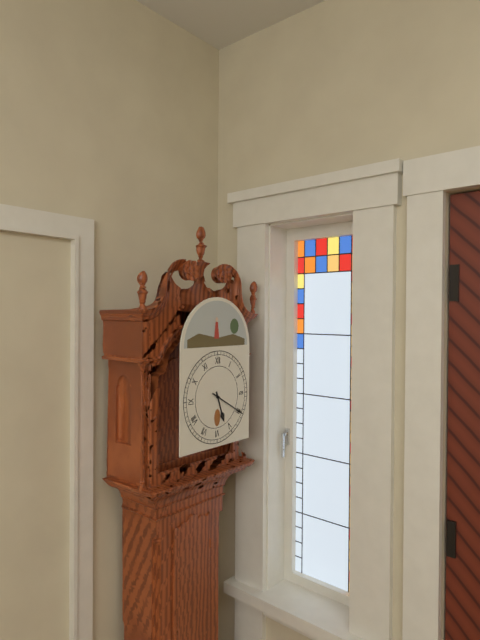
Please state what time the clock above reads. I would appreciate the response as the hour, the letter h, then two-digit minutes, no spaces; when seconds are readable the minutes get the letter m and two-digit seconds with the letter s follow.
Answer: 5h20
